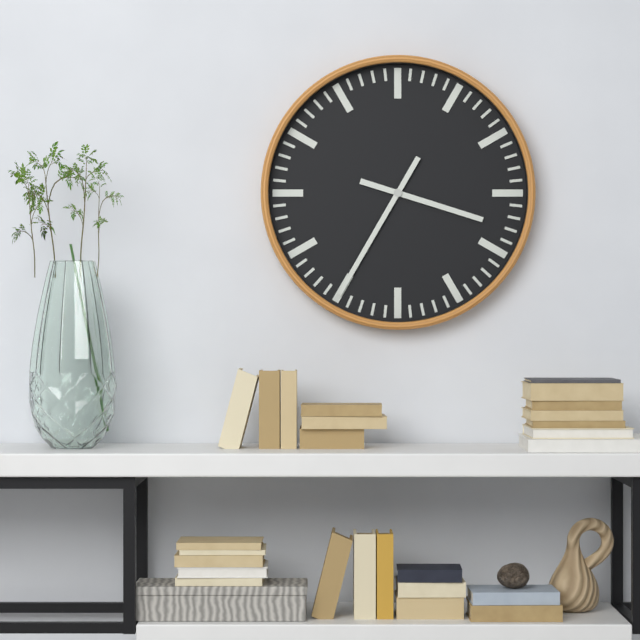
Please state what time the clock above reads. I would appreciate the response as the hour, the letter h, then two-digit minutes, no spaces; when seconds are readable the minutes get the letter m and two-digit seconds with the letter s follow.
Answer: 3h35
